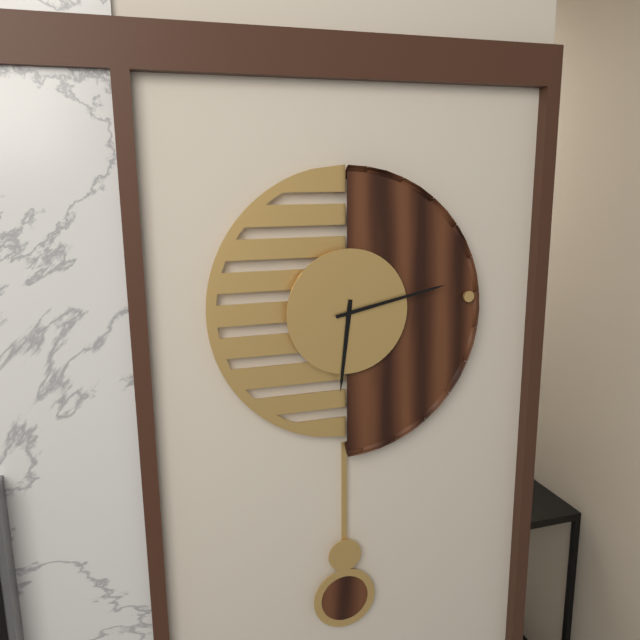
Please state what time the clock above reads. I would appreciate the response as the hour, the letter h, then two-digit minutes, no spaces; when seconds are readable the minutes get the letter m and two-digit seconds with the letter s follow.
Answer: 6h13
